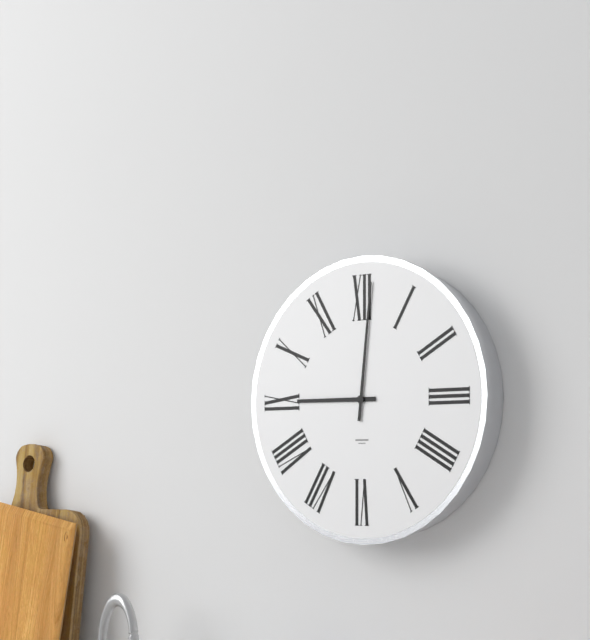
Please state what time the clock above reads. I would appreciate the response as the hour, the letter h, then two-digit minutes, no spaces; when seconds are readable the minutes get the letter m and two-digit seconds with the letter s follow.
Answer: 9h01
